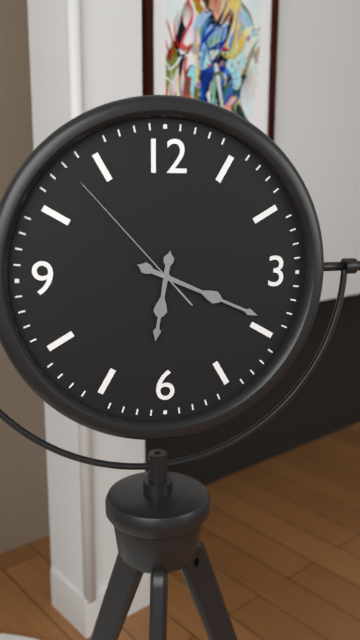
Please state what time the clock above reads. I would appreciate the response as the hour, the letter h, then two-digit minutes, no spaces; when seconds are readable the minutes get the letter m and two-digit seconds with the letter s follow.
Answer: 6h19m53s
